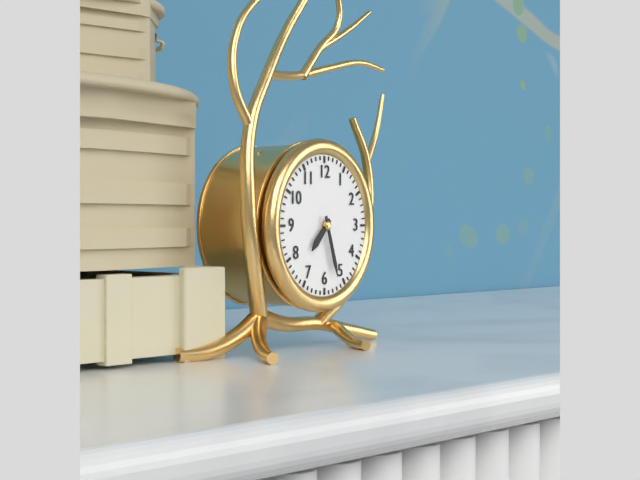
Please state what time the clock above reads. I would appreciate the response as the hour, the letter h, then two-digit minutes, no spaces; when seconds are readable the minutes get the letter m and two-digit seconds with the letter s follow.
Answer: 7h27
